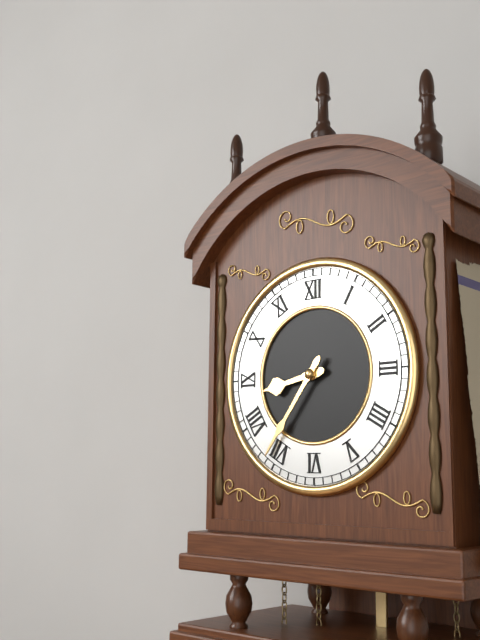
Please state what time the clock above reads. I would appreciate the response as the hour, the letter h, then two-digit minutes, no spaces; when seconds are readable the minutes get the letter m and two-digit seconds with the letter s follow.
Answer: 8h36
